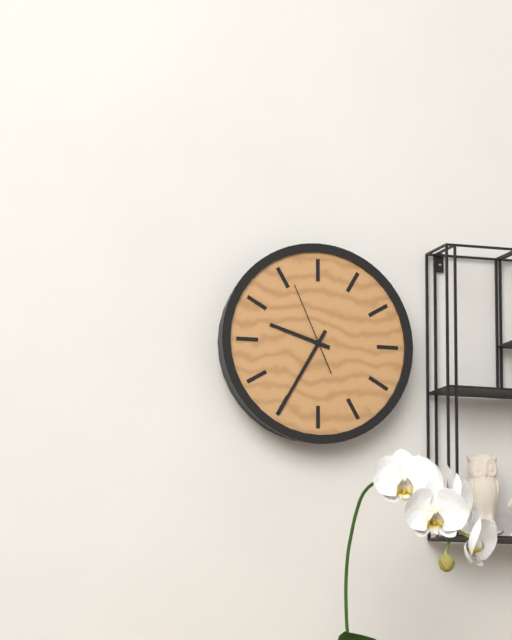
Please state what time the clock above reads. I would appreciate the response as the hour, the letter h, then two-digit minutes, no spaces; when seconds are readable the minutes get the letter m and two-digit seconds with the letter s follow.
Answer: 9h35m56s
